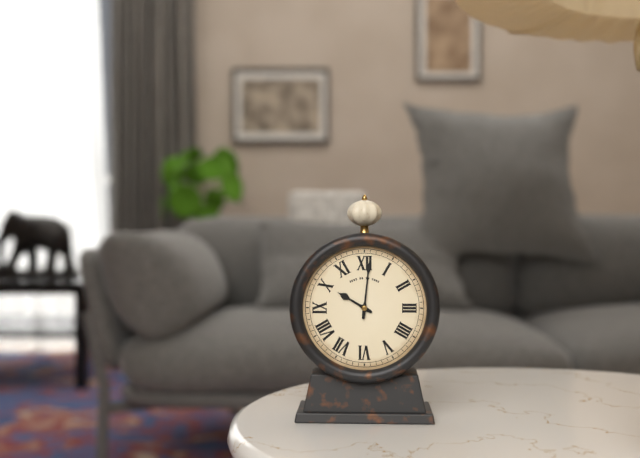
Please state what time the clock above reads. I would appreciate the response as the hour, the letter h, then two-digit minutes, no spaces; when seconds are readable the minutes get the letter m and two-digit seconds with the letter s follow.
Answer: 10h01
